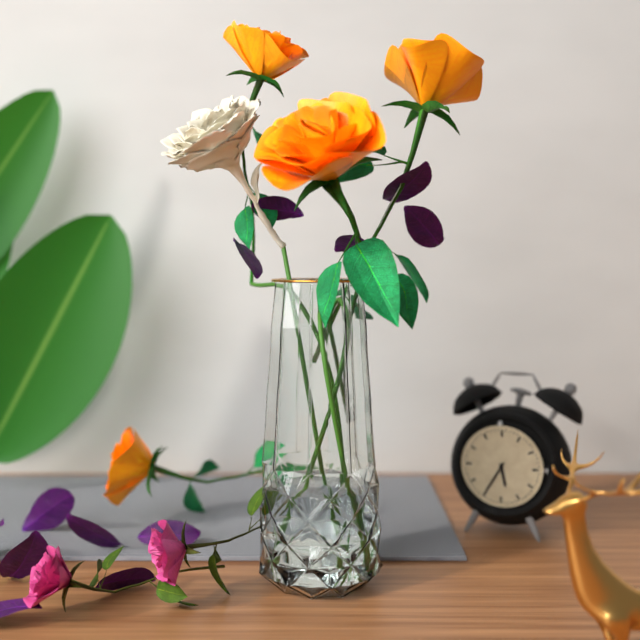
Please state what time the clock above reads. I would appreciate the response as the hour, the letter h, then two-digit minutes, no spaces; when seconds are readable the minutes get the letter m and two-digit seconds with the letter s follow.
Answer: 5h35
